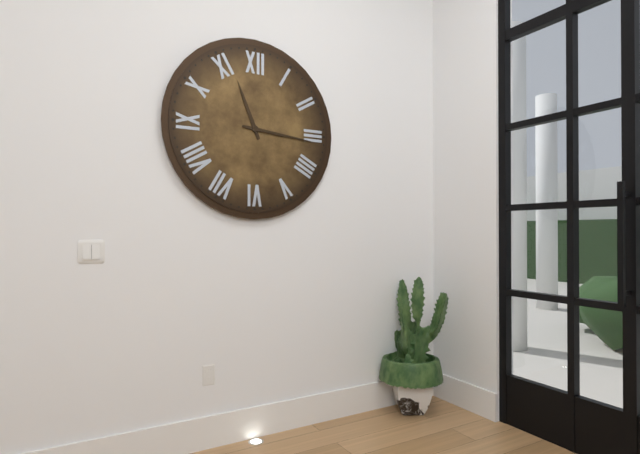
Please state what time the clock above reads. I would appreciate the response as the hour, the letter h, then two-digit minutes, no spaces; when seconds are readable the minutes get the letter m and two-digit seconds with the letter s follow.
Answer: 11h16
